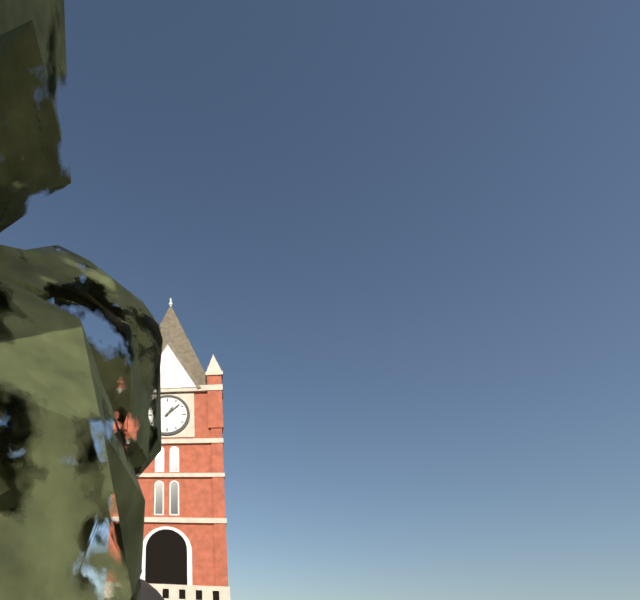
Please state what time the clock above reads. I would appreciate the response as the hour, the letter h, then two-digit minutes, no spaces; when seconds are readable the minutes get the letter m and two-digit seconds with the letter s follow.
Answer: 1h08
